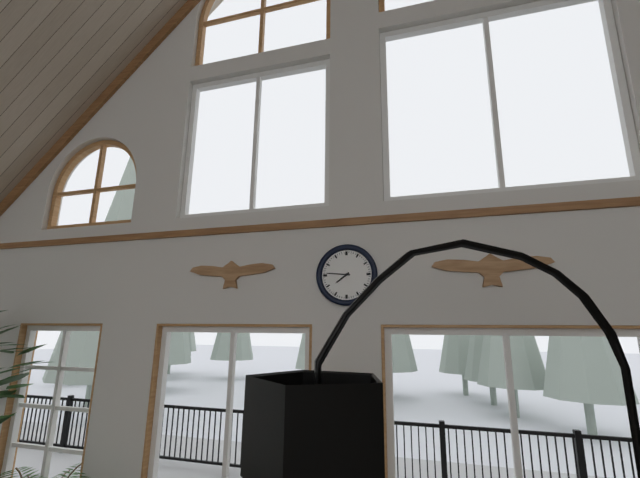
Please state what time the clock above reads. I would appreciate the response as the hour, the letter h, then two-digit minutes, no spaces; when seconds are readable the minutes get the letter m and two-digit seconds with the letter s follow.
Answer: 7h46
